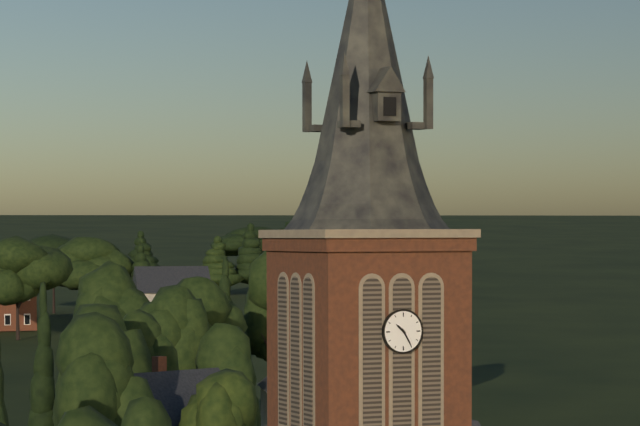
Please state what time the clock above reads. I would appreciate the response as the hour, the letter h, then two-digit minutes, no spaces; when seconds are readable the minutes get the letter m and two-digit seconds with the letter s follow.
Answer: 10h25
